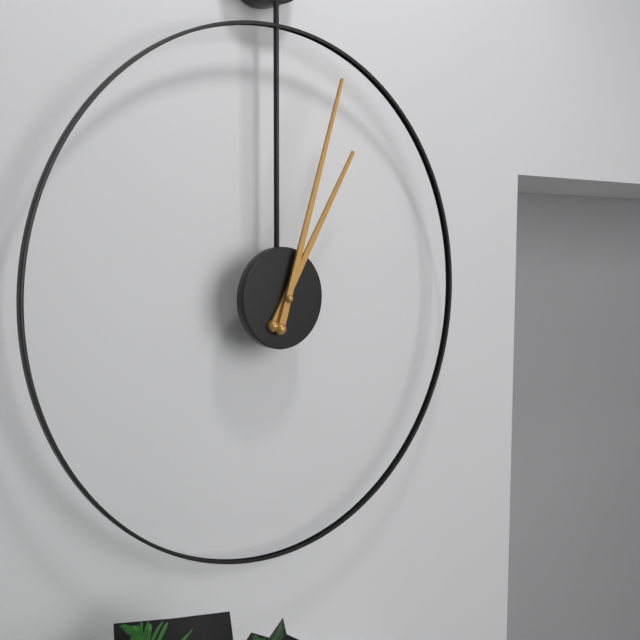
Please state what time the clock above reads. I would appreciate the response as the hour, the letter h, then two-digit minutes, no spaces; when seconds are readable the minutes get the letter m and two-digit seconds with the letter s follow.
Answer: 1h03
